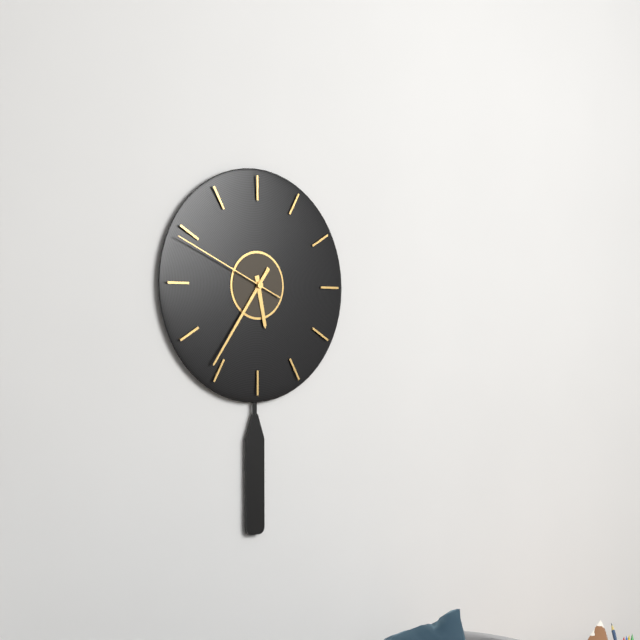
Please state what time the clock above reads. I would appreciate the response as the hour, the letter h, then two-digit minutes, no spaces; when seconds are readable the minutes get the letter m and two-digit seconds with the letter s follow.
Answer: 5h36m49s
